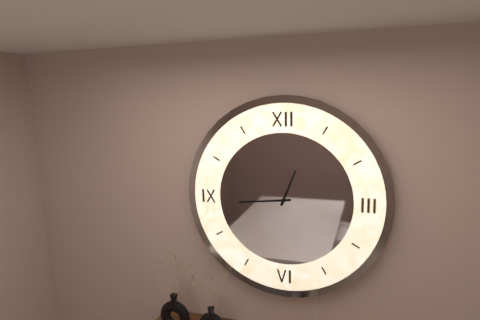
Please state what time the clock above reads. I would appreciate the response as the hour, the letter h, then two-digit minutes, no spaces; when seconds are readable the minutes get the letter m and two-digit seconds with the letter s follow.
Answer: 12h44
